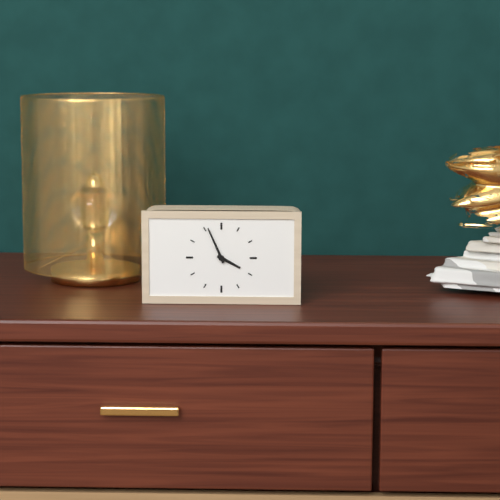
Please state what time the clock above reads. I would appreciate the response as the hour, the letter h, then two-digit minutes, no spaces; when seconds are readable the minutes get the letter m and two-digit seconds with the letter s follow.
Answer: 3h56
